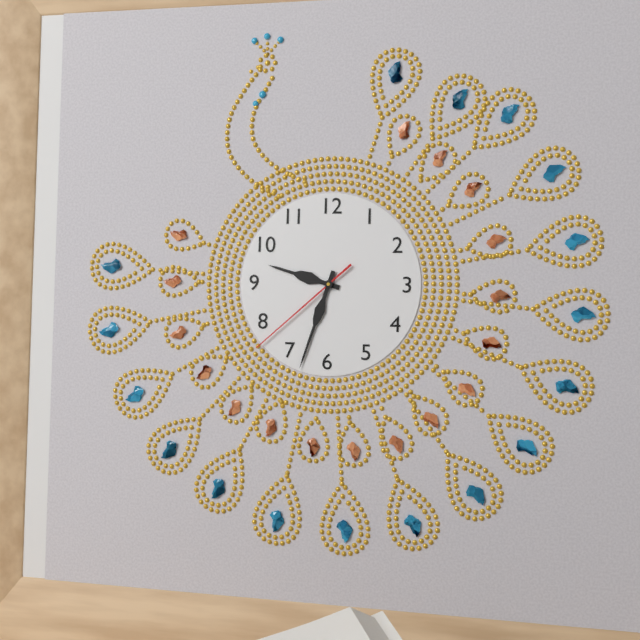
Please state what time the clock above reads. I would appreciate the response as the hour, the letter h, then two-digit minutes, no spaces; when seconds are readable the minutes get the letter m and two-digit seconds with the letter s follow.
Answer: 9h33m38s
